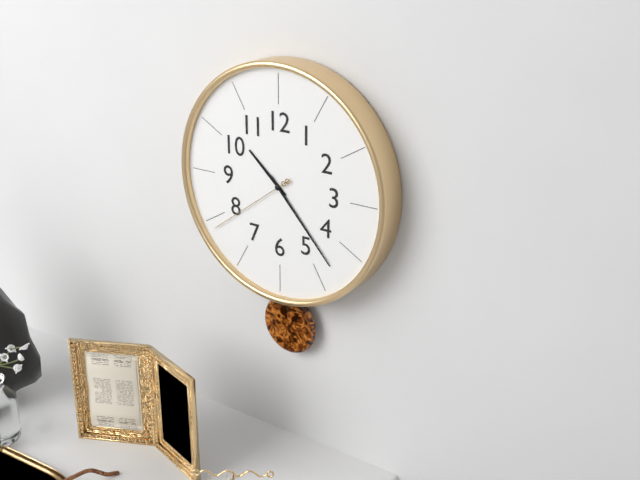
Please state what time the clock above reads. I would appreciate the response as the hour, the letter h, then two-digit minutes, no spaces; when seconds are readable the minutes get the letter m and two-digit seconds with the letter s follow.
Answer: 10h23m39s
